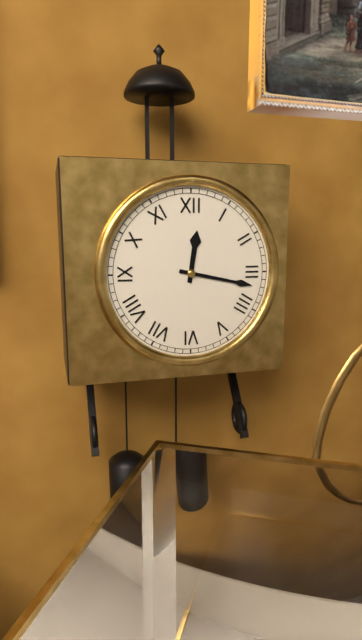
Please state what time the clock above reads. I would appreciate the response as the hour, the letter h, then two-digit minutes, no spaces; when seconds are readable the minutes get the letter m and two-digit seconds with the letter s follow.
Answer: 12h17
